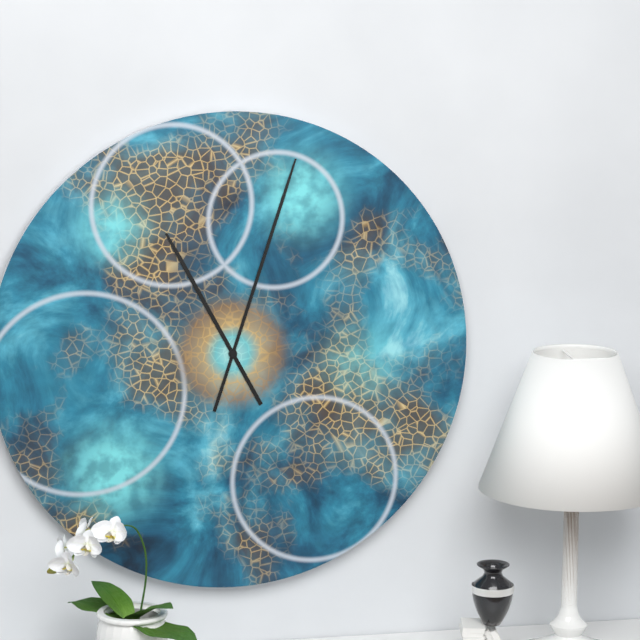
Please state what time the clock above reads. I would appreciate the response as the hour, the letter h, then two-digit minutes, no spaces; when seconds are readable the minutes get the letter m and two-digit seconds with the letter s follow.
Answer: 11h03
